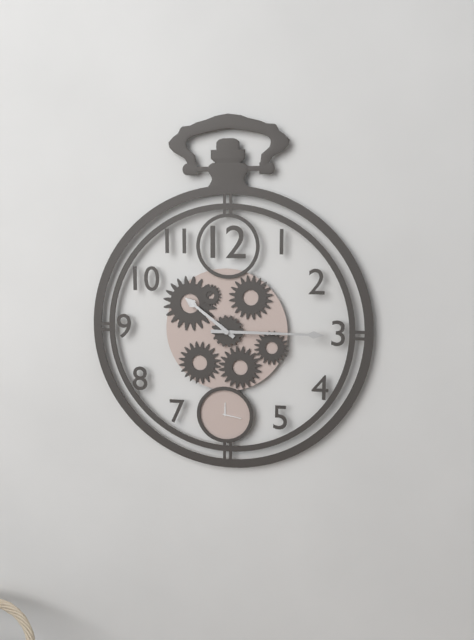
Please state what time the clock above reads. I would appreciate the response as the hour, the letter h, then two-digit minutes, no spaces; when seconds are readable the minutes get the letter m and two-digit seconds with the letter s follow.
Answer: 10h15
